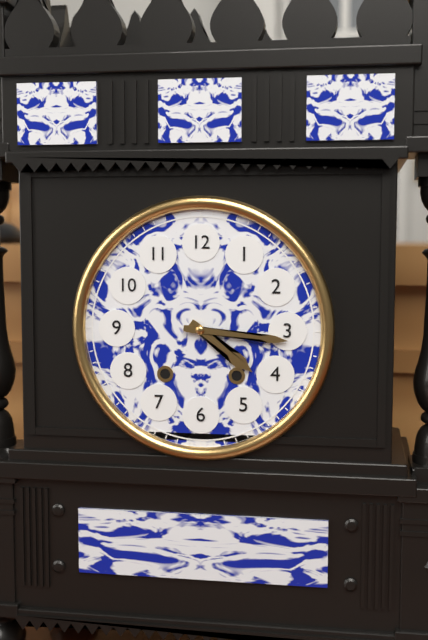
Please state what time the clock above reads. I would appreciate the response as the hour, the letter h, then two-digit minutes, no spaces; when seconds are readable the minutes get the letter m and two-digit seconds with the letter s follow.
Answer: 4h16
